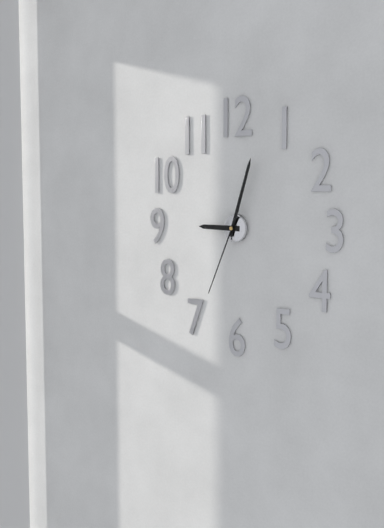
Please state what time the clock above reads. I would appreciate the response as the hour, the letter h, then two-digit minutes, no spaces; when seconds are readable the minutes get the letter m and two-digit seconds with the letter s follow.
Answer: 9h03m34s
